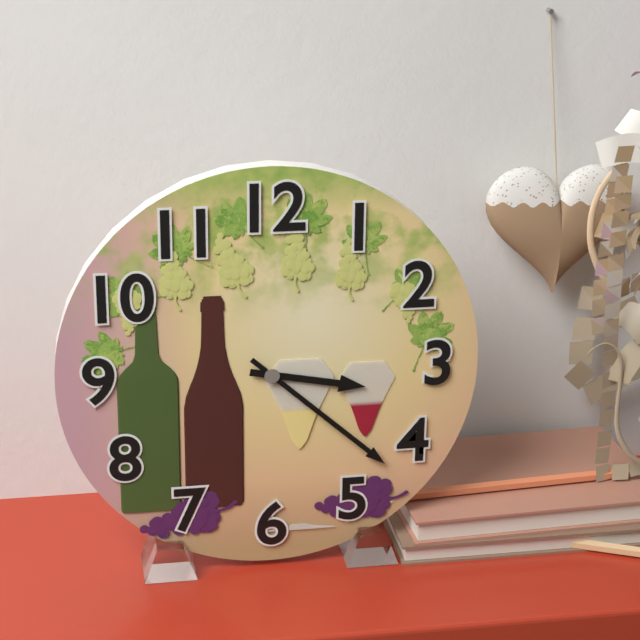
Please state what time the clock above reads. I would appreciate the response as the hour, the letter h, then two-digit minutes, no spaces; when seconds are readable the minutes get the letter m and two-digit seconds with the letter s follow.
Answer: 3h22
